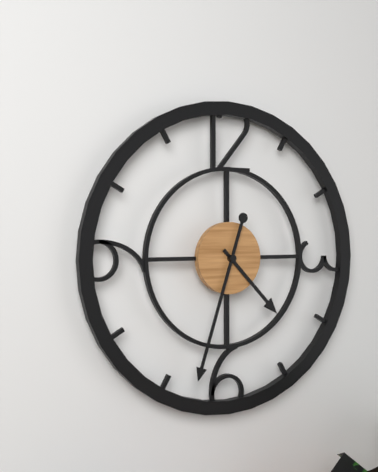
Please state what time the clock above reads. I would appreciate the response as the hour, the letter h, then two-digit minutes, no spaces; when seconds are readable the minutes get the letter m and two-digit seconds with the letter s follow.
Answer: 4h33
